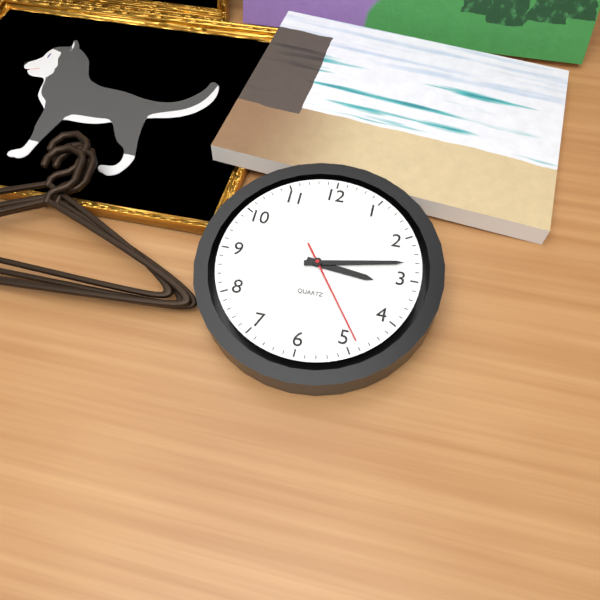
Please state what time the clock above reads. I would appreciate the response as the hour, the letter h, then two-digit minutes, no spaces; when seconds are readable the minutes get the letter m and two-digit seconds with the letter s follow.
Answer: 3h13m24s
